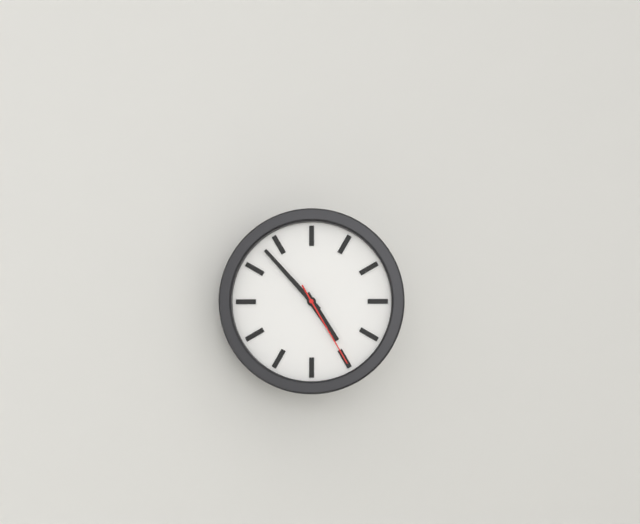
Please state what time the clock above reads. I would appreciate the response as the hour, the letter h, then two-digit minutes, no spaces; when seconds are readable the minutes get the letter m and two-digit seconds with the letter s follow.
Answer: 4h53m25s
